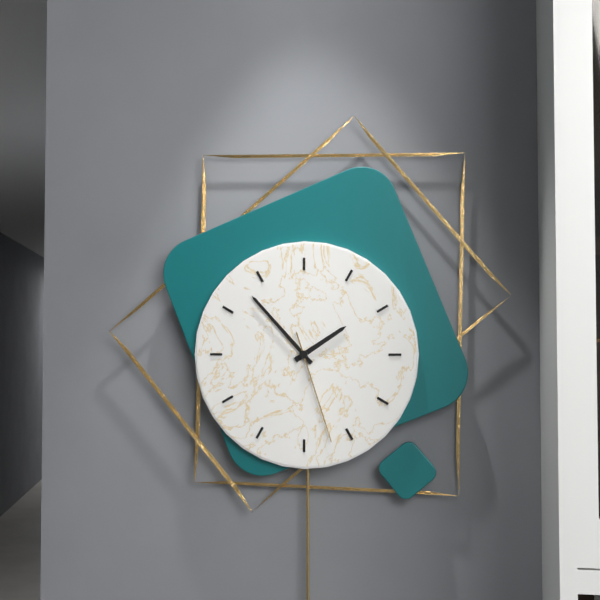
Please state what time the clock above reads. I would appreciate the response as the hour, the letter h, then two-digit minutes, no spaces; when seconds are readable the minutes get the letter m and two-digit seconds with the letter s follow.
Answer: 1h53m27s
